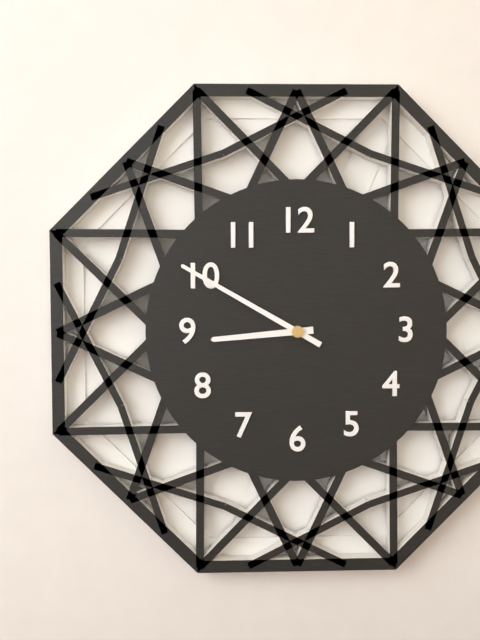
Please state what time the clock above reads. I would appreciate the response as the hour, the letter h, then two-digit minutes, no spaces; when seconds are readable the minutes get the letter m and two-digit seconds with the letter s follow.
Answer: 8h50
